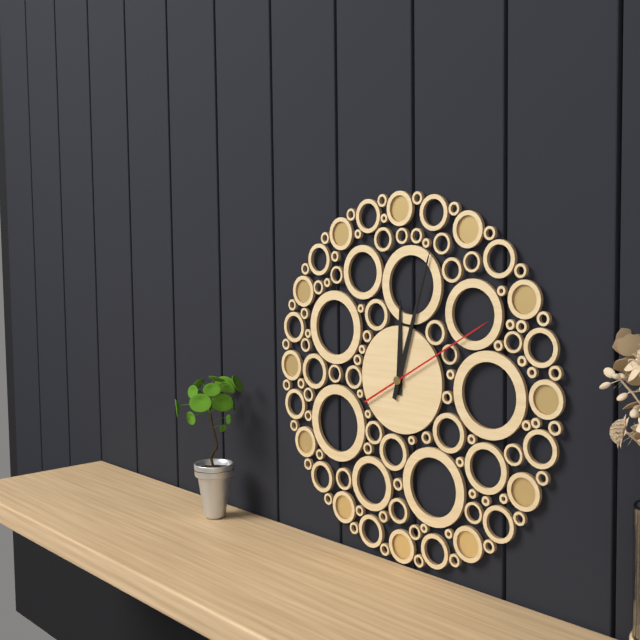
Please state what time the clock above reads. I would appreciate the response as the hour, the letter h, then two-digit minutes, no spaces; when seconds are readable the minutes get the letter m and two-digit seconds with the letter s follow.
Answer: 12h03m10s
